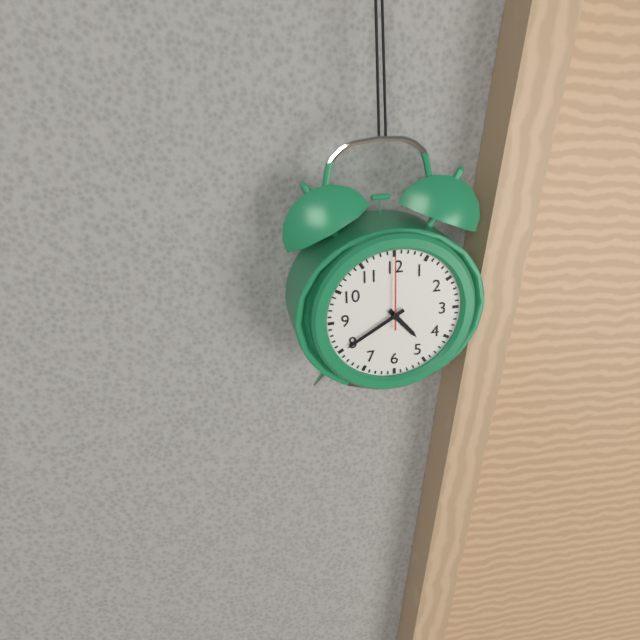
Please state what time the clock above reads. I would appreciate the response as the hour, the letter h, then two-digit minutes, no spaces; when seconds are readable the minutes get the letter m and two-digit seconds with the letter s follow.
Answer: 4h40m00s
